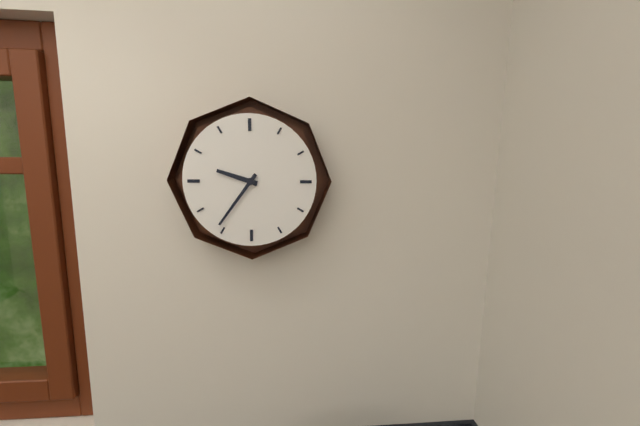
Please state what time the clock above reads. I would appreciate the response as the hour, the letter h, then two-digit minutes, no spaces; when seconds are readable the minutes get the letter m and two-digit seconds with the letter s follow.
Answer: 9h36
